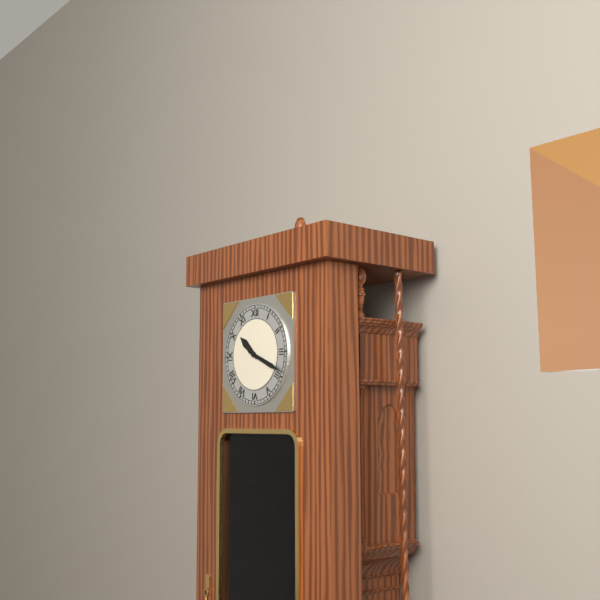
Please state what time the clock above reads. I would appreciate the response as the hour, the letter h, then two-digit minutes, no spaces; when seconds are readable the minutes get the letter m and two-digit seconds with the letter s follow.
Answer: 10h19
